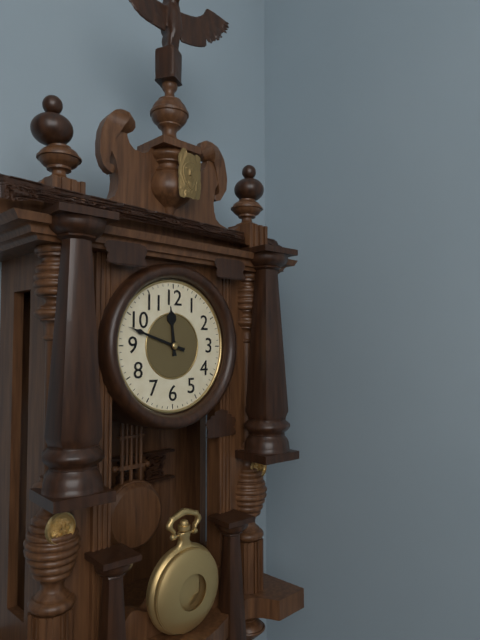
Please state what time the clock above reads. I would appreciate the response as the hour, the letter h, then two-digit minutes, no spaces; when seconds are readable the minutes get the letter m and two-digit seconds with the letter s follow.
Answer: 11h48
